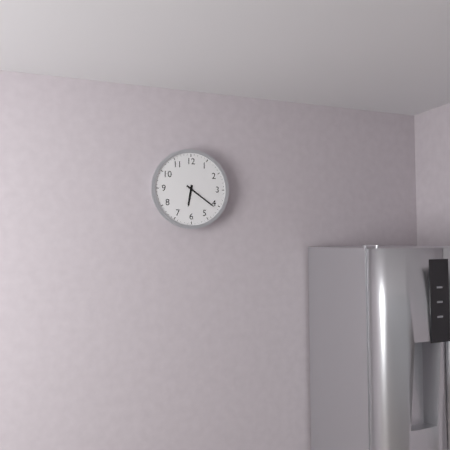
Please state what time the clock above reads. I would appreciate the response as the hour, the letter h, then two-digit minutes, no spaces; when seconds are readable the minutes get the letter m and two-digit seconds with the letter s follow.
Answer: 6h21
